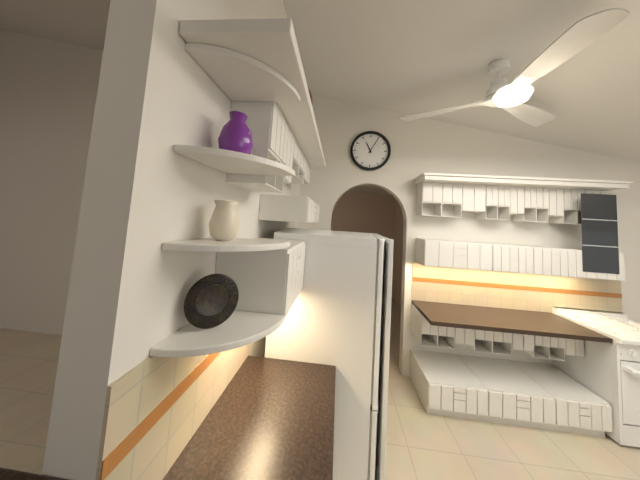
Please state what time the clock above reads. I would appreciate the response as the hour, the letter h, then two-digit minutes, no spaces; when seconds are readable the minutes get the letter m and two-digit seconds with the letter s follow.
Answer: 11h05
